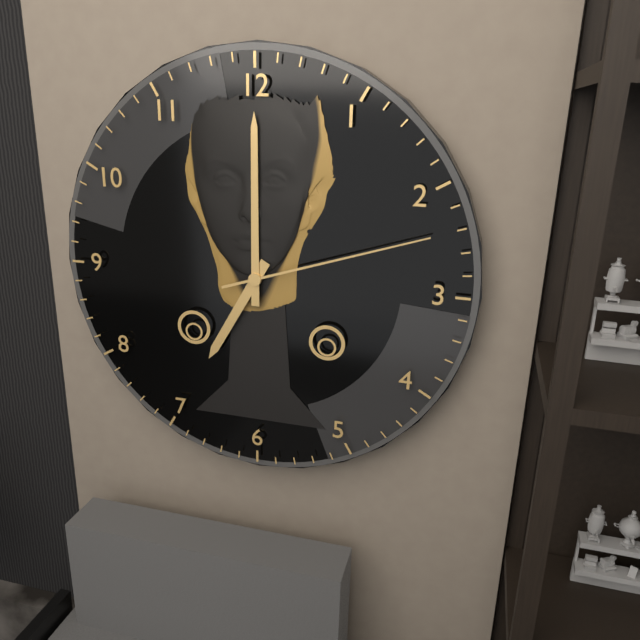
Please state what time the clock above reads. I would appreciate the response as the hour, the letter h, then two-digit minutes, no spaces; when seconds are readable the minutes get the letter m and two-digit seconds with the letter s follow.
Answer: 7h00m12s
